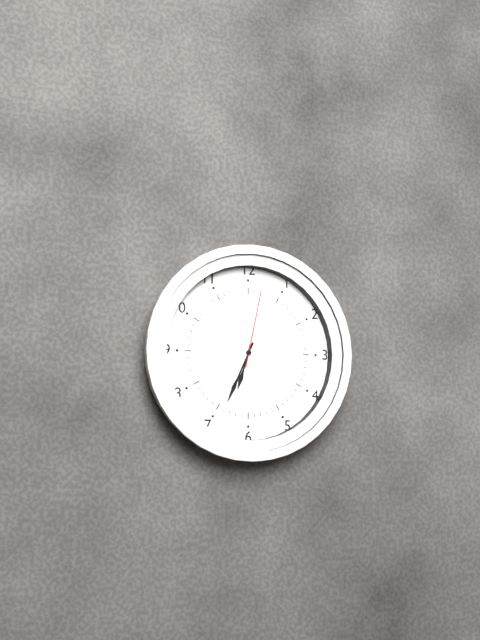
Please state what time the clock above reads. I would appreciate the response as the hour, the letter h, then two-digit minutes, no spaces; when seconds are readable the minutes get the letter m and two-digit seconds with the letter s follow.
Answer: 6h34m02s
